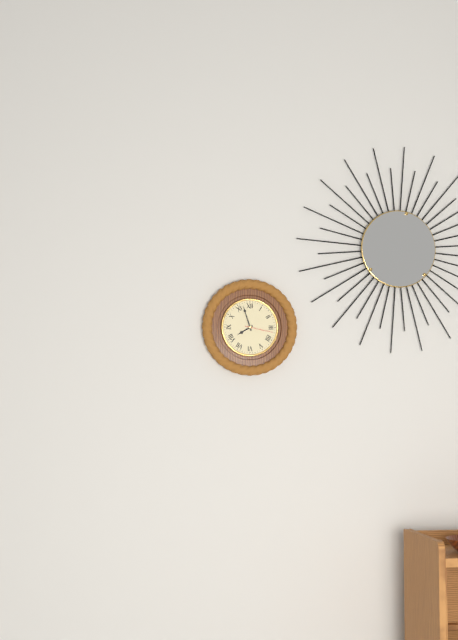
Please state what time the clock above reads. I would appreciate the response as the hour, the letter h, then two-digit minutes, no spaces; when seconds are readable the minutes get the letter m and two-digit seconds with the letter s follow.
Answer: 7h57
